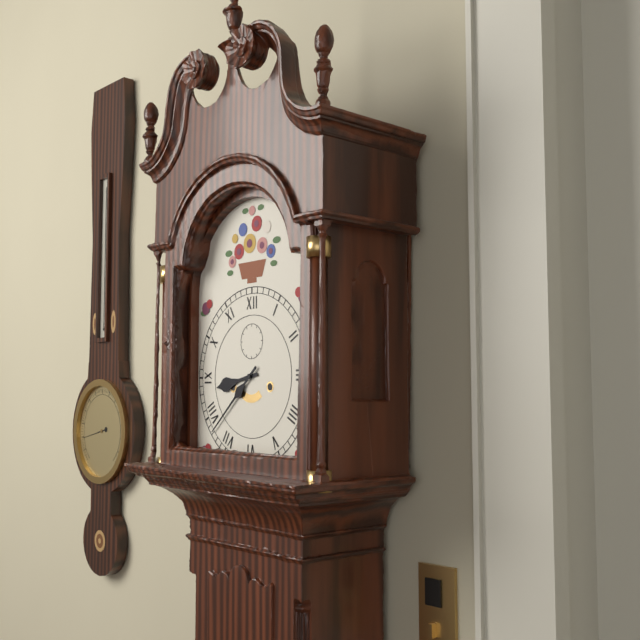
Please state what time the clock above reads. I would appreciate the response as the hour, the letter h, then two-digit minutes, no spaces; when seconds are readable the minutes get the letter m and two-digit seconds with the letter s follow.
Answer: 8h38
